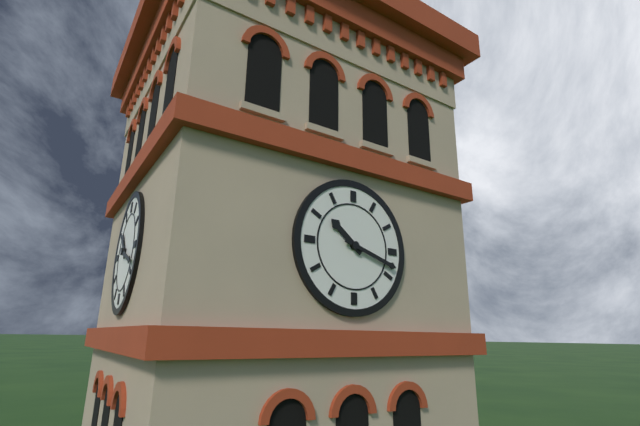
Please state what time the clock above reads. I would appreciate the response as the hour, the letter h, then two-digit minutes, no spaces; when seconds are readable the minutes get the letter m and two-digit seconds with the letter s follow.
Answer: 10h18
